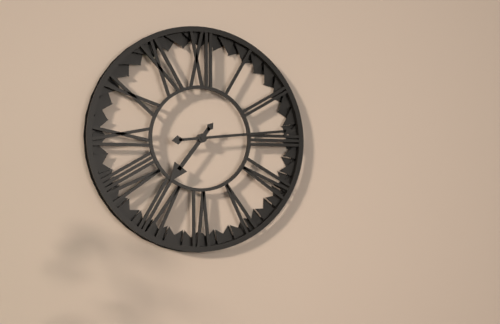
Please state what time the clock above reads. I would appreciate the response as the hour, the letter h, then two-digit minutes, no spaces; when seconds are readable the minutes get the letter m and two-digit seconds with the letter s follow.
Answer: 7h14
